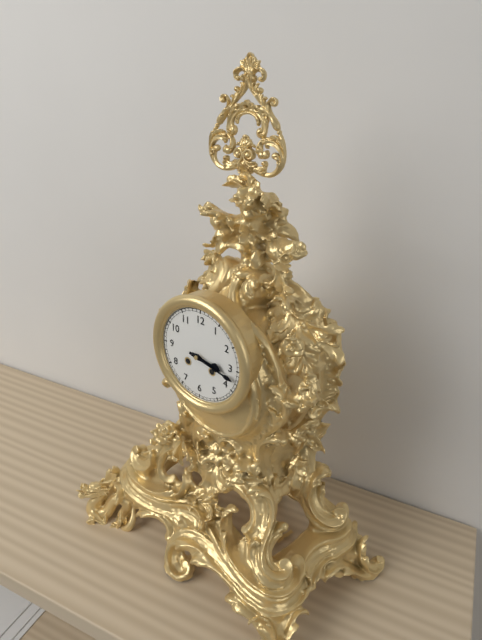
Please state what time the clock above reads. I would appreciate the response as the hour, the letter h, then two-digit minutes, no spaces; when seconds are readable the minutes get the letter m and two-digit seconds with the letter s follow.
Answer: 3h17
